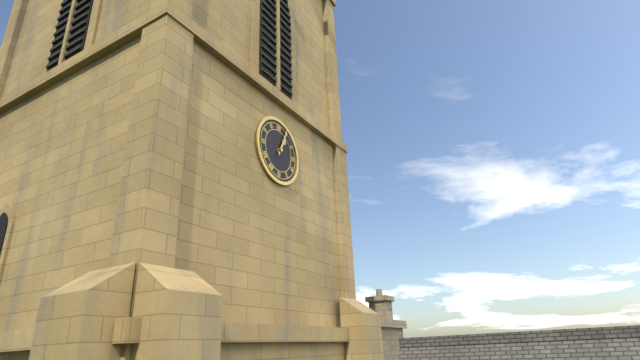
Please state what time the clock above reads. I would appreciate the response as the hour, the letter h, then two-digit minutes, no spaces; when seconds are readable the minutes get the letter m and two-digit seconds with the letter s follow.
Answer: 1h04
